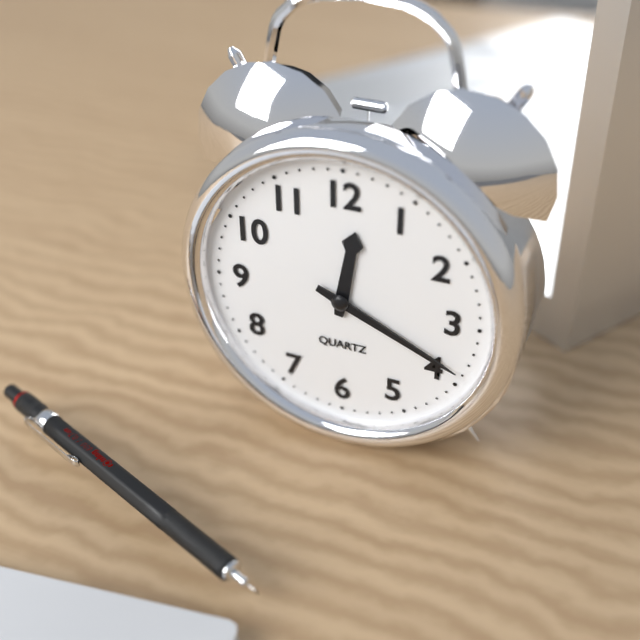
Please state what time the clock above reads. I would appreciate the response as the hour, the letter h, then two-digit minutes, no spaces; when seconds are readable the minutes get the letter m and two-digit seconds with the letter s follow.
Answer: 12h19
